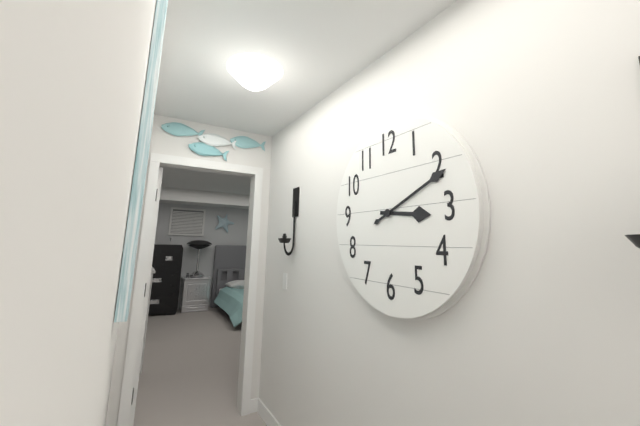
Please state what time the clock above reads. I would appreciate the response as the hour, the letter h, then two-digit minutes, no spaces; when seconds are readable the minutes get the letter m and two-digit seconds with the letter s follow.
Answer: 3h11
